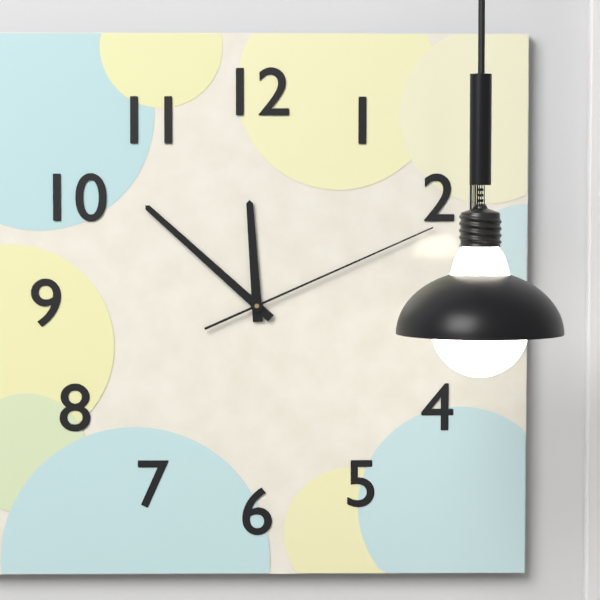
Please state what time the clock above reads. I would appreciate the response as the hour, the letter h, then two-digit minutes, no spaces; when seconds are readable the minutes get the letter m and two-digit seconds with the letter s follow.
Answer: 11h52m11s
